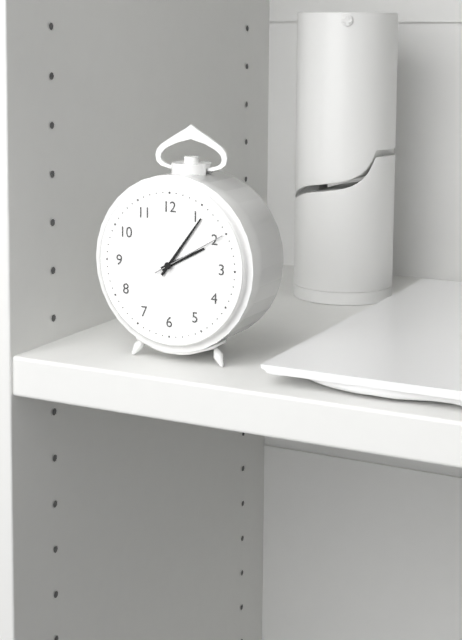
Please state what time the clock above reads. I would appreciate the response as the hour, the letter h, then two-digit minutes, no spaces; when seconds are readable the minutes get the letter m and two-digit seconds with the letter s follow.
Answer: 2h06m10s
